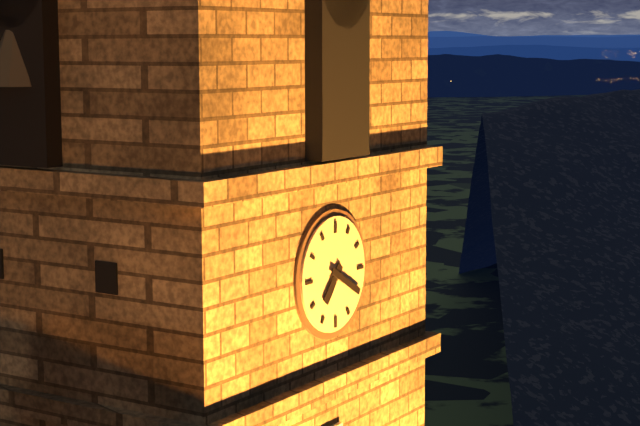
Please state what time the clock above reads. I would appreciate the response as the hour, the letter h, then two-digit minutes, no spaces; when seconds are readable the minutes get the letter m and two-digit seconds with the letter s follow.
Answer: 7h20
